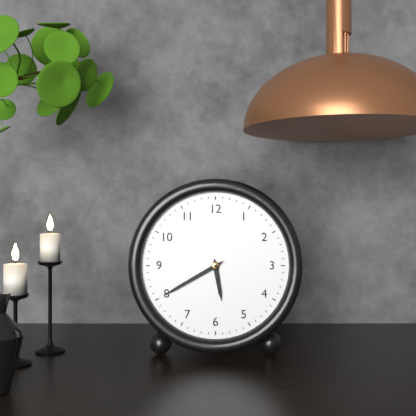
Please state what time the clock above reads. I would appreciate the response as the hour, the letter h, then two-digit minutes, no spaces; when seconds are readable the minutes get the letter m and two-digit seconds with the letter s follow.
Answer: 5h40
